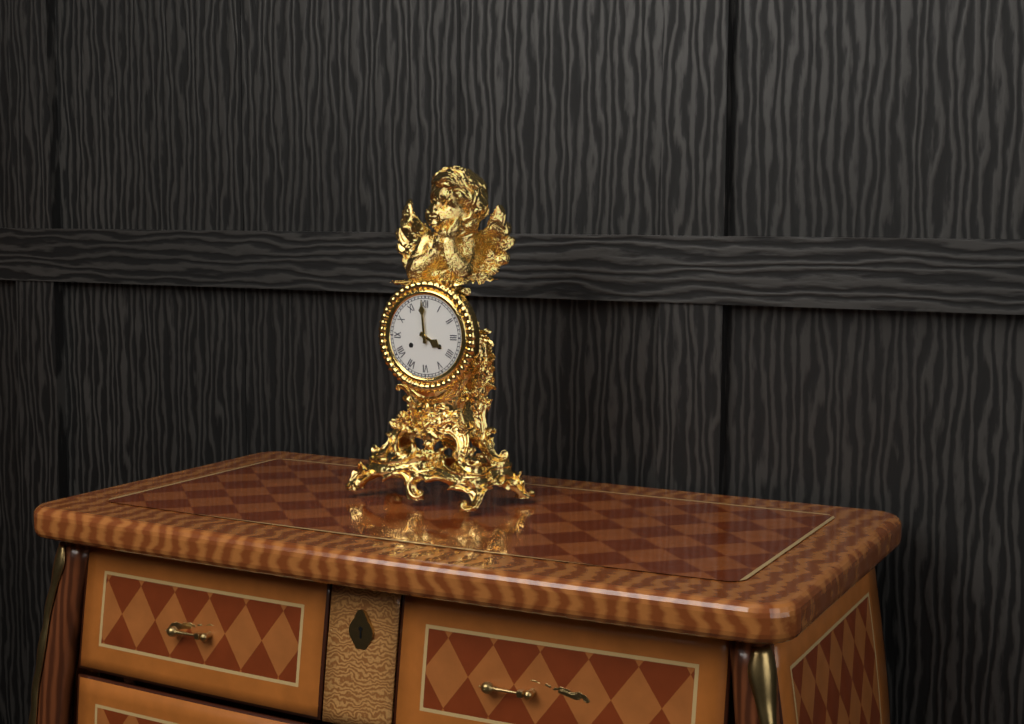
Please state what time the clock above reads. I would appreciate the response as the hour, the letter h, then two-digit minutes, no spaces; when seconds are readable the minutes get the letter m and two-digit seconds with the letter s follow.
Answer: 3h59
